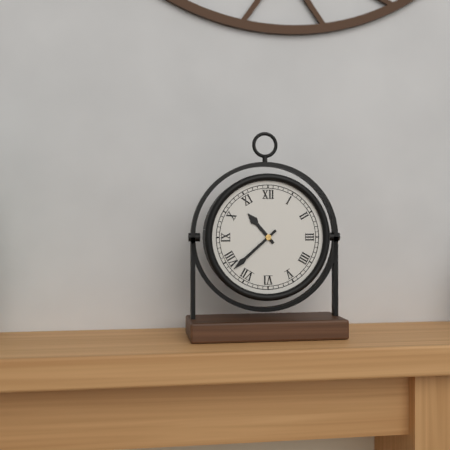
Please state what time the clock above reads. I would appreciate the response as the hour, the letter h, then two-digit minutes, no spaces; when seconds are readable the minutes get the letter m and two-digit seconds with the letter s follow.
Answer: 10h38
